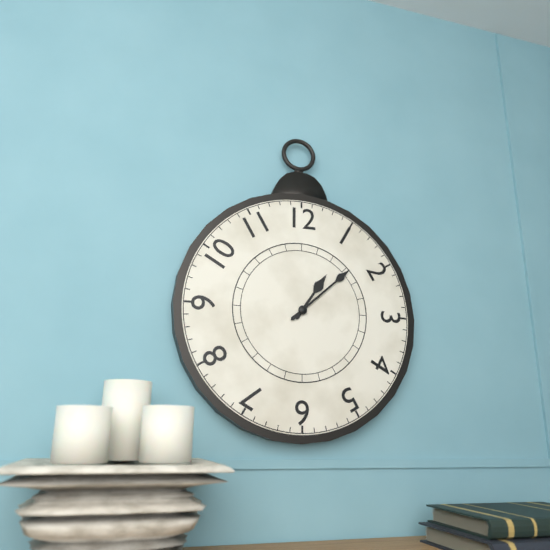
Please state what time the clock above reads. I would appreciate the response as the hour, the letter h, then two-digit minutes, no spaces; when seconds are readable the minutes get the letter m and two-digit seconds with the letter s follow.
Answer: 1h08
